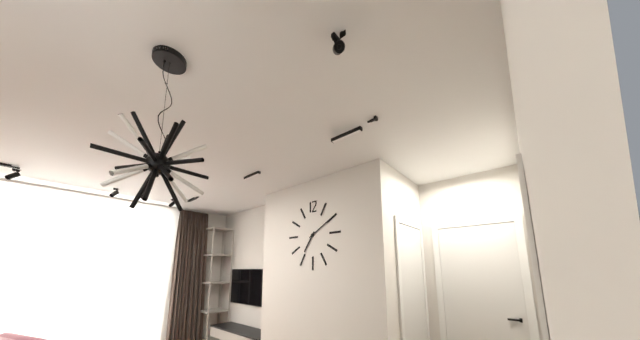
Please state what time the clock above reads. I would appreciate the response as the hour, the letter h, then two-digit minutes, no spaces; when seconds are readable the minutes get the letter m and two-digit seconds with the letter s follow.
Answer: 7h10
